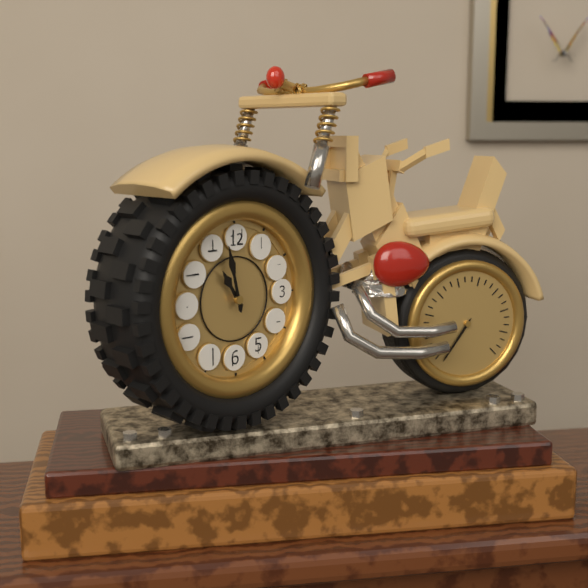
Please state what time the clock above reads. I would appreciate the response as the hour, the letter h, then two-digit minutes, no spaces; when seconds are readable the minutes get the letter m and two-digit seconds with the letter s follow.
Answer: 10h58
